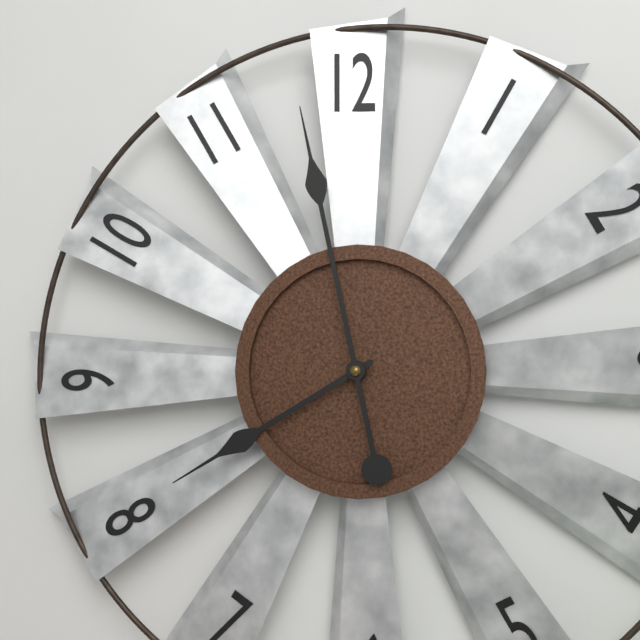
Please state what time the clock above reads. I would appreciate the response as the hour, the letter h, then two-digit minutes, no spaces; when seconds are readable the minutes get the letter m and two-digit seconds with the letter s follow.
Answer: 7h58
